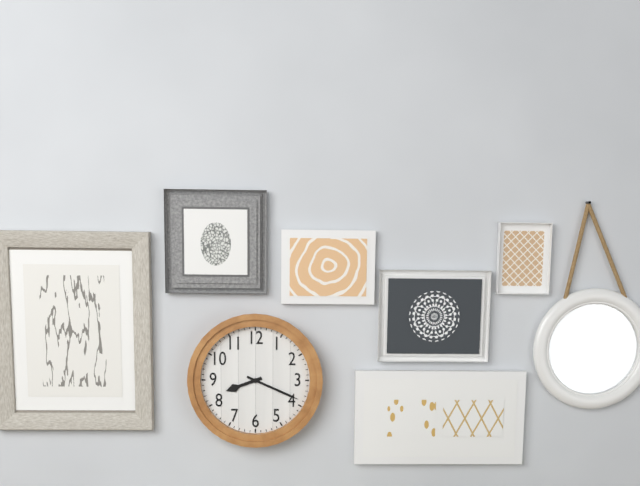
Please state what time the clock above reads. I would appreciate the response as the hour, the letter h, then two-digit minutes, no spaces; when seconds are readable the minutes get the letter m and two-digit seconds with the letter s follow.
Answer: 8h19
